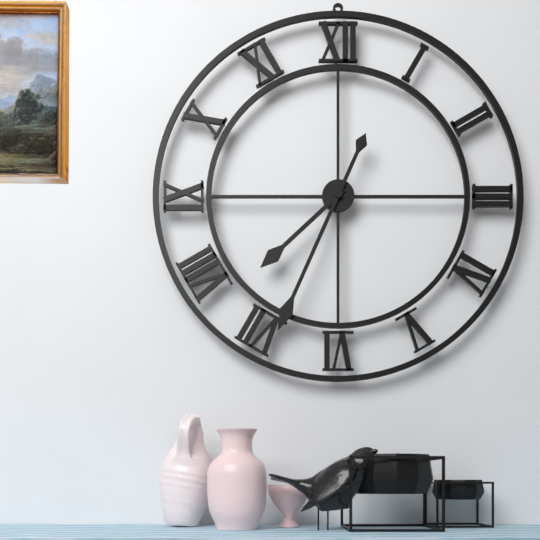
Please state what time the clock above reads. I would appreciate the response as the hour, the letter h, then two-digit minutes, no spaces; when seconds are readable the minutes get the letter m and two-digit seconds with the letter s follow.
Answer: 7h34
